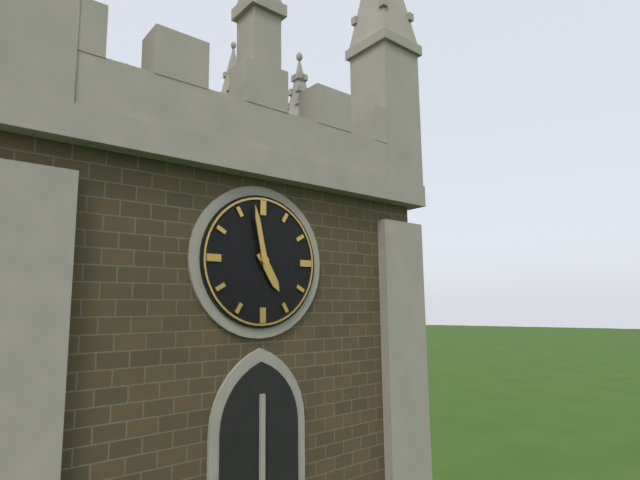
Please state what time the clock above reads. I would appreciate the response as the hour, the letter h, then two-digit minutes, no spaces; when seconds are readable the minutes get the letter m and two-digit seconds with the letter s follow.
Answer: 4h58
